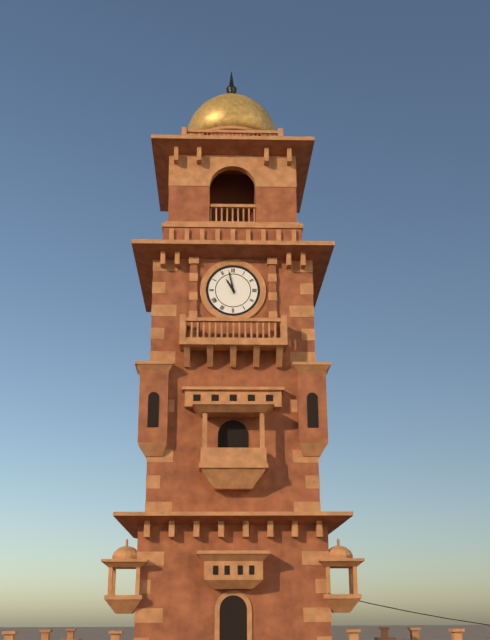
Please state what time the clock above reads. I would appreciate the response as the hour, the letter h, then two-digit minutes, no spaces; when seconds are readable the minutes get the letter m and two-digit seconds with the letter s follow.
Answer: 10h58
